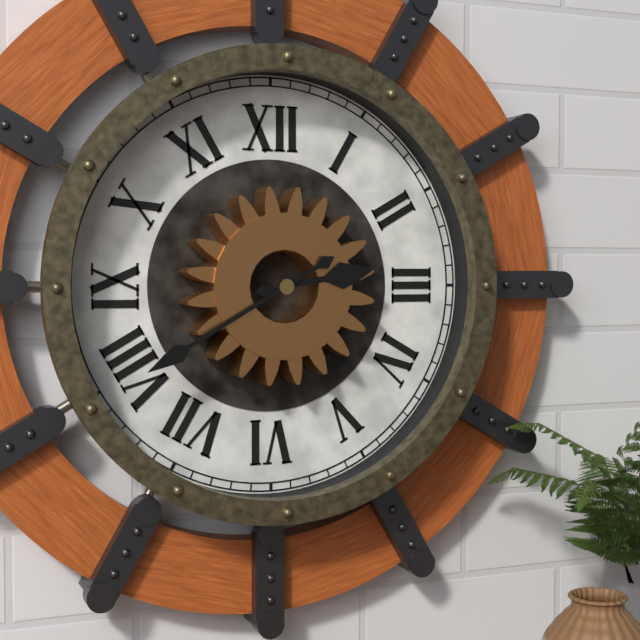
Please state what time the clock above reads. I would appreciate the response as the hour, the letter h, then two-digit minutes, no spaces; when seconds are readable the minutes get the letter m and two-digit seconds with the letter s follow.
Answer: 2h40
